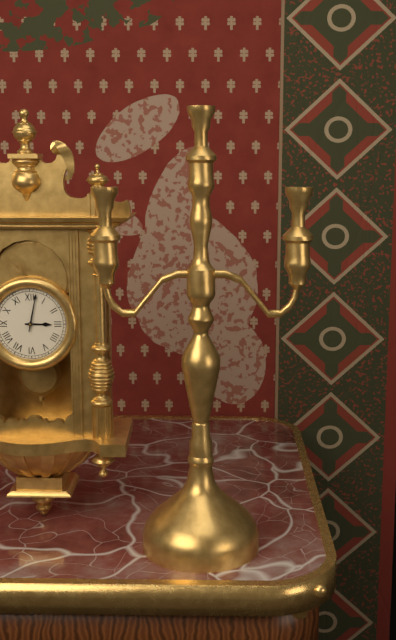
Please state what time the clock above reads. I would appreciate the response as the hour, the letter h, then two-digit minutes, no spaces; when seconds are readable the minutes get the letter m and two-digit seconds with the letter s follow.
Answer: 3h02
